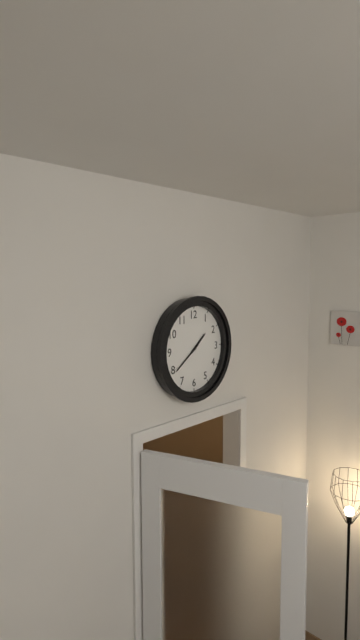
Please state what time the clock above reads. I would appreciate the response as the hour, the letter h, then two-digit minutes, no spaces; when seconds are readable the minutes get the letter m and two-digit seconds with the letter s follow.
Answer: 1h39
